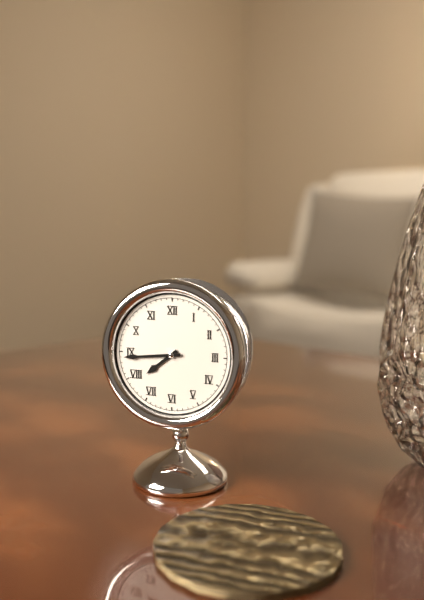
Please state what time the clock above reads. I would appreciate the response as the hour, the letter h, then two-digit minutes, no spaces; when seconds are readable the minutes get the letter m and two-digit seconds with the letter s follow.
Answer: 7h44
